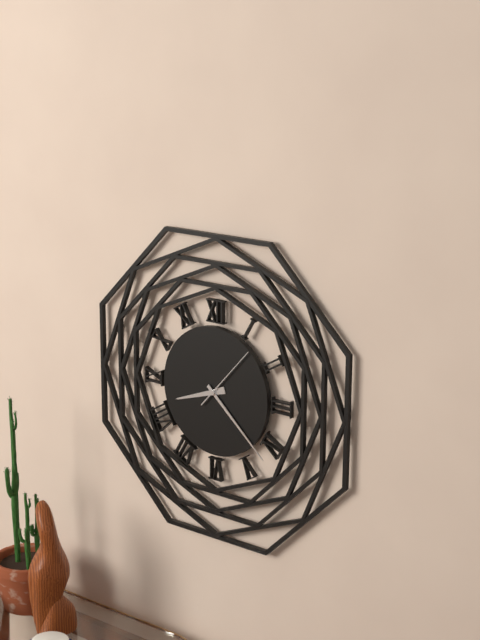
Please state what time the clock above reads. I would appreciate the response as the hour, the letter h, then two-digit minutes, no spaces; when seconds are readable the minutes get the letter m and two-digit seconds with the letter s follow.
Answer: 8h22m07s
